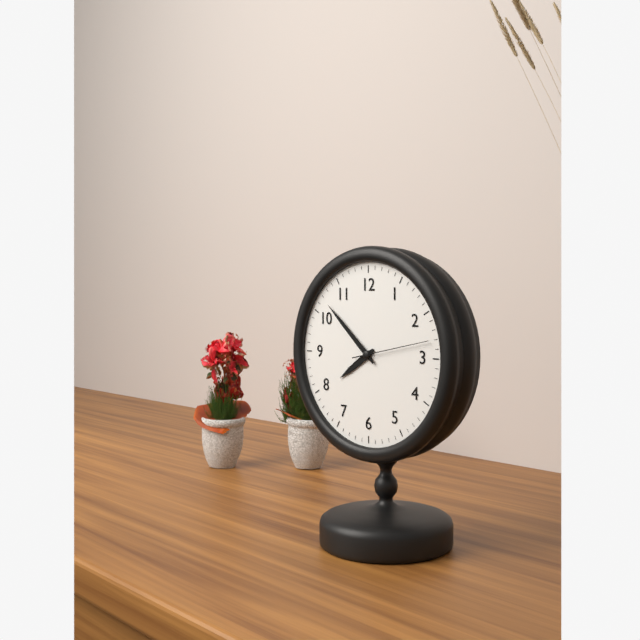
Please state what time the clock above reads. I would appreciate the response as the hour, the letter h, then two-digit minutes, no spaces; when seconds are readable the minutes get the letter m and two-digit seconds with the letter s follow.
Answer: 7h52m13s
